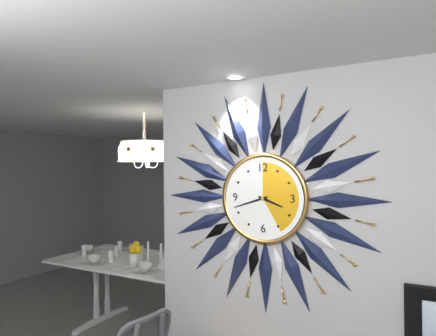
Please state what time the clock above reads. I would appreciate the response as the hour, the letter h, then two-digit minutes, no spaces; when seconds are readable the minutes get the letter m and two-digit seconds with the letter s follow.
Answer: 3h42
